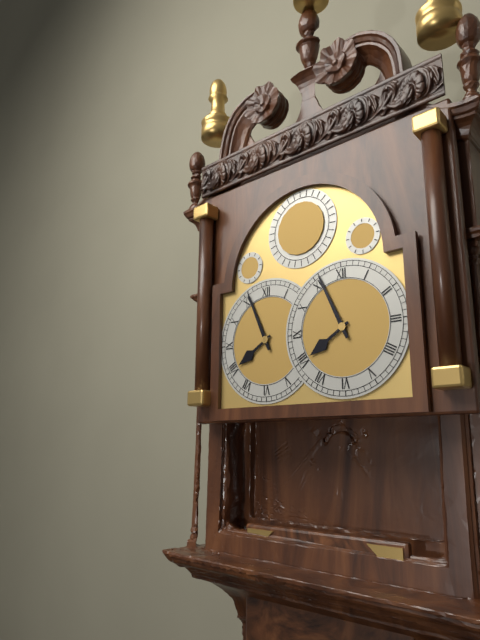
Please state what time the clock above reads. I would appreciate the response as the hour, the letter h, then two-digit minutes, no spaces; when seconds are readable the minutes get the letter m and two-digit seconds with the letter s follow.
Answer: 7h56
